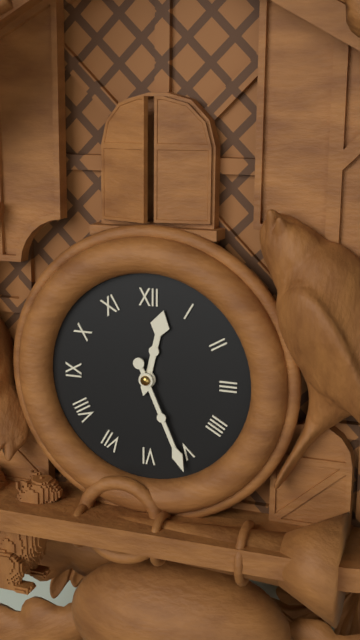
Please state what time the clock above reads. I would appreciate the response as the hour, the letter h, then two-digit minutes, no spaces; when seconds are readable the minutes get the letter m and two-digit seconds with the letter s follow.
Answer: 12h26
